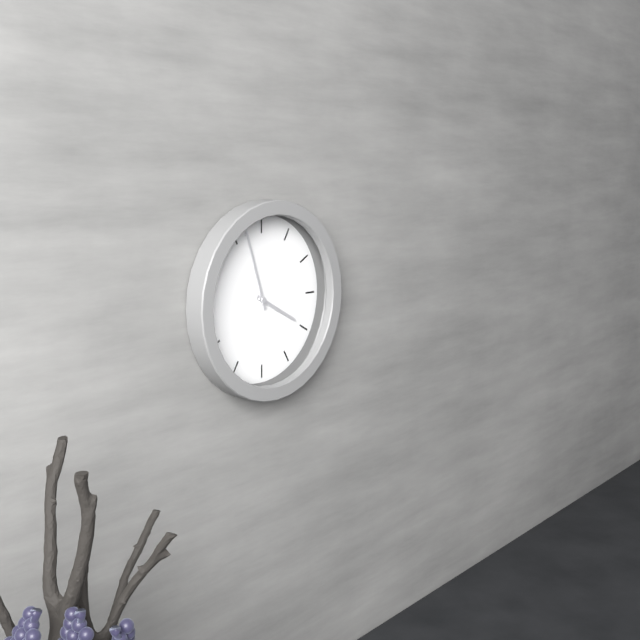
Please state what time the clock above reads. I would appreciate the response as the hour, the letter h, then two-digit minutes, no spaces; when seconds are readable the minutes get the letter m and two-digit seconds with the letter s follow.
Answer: 3h57
